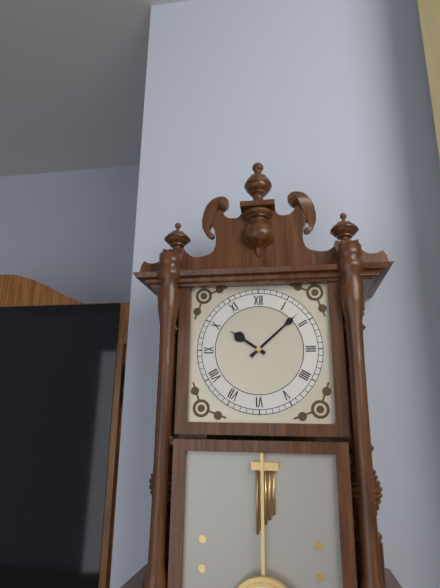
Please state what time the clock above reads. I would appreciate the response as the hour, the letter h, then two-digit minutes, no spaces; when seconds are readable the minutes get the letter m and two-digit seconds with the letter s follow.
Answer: 10h08
